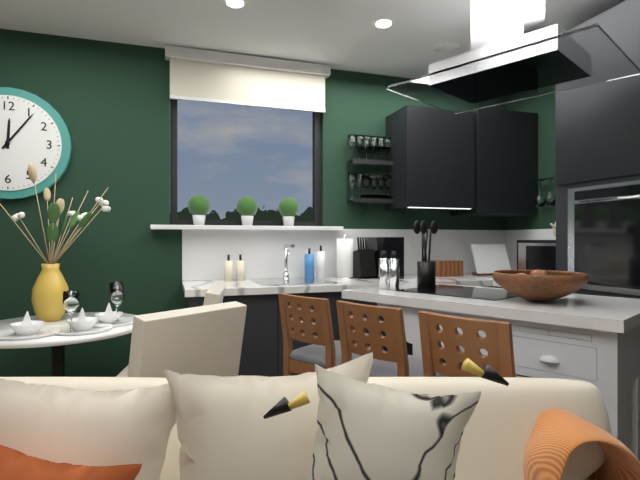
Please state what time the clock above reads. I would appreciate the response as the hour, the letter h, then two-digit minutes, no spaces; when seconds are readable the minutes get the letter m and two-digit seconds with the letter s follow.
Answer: 12h06
